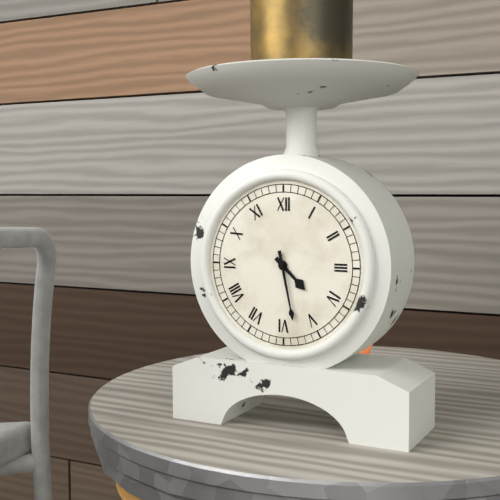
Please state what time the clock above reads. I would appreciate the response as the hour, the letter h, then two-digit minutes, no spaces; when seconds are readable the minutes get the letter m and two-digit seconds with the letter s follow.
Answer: 4h28
